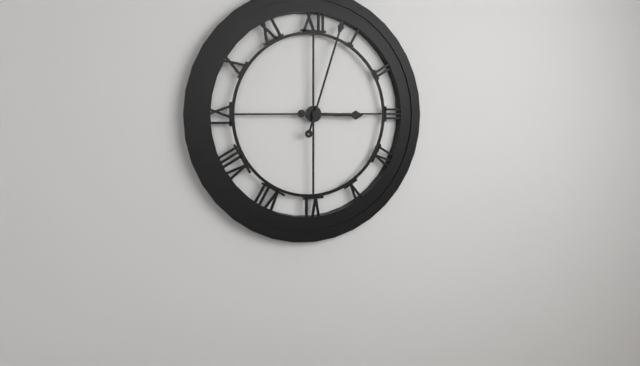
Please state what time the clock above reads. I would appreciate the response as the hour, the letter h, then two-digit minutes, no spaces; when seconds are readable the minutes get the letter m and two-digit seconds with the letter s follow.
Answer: 3h03
